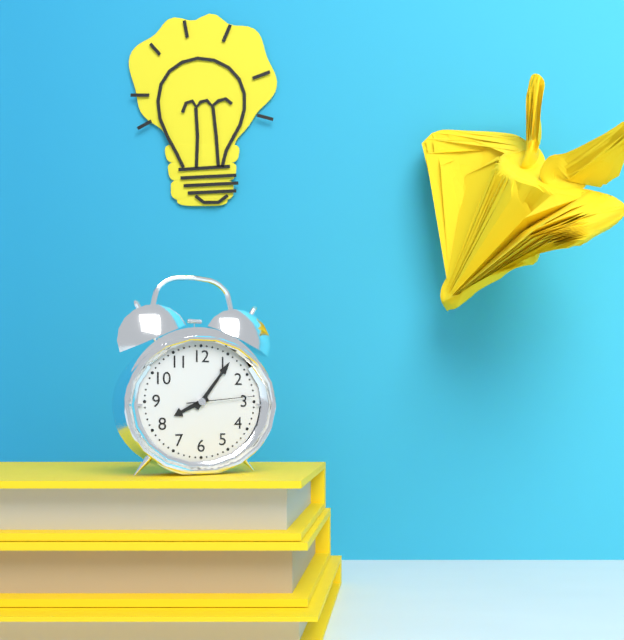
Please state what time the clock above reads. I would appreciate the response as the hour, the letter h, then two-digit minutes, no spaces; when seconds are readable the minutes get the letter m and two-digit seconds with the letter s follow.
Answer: 8h06m14s
